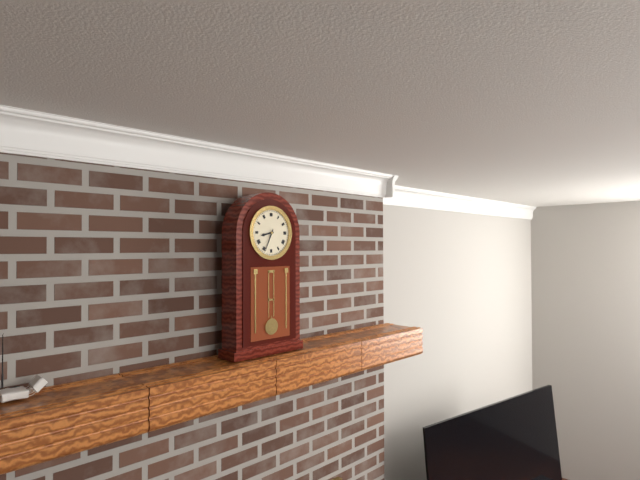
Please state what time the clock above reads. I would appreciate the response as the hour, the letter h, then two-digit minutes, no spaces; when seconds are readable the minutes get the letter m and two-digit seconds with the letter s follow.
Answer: 8h34
